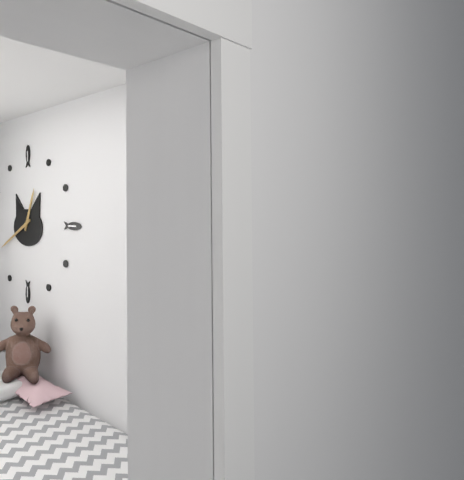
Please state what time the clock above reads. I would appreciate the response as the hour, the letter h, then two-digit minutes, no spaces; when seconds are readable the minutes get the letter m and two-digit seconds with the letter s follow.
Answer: 12h40
